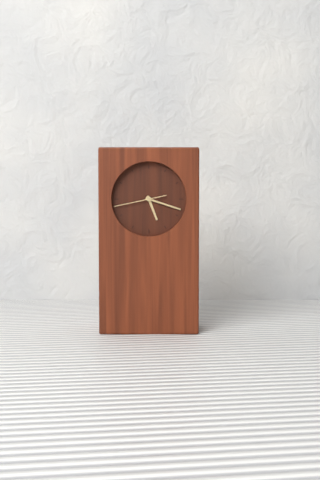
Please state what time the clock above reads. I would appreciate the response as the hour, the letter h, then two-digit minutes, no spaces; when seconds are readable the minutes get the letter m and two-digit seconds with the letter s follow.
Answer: 5h18
